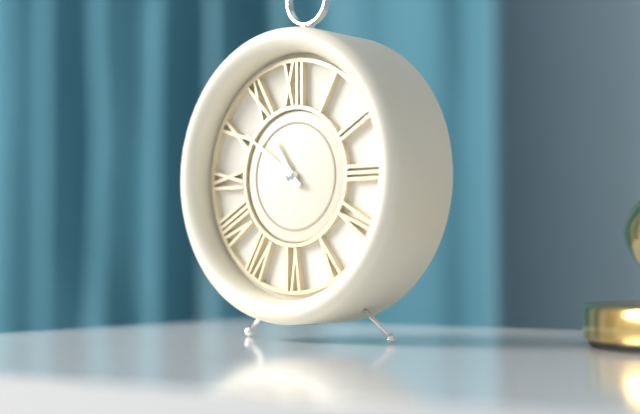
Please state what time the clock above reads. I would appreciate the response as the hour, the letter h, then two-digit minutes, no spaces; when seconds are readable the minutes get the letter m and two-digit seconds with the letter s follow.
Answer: 10h51
